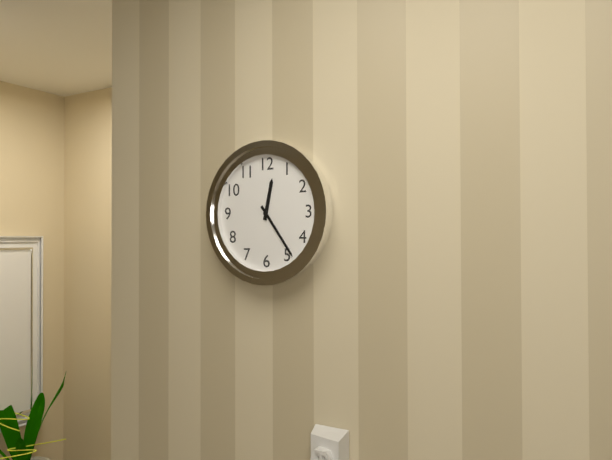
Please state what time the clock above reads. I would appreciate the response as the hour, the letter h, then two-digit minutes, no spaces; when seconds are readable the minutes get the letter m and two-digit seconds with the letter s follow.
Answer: 12h24
